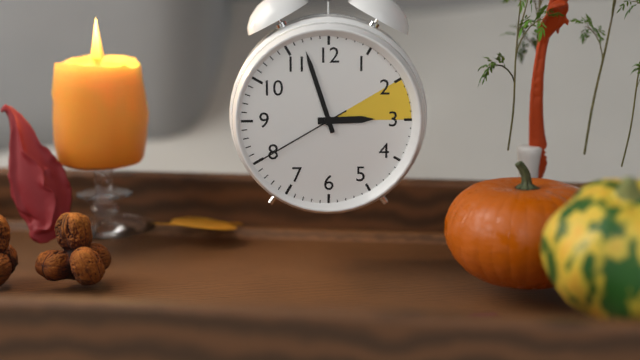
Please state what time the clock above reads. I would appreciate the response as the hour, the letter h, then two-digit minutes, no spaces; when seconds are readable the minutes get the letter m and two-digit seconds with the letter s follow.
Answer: 2h57m40s
